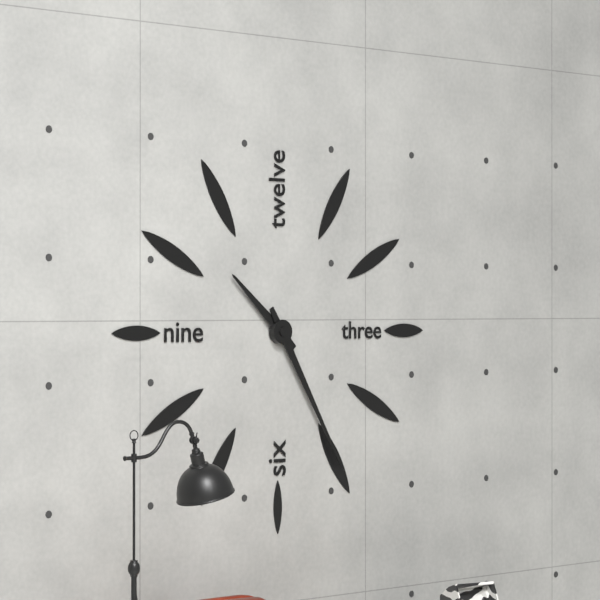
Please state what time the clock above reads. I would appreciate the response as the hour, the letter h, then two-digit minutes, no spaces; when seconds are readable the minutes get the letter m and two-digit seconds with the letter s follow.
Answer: 10h25
